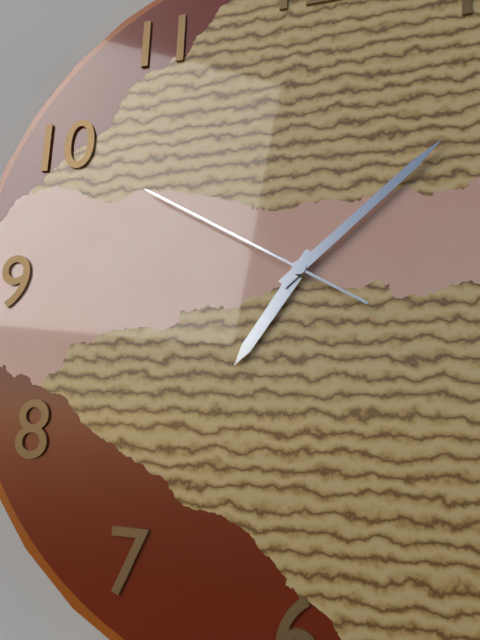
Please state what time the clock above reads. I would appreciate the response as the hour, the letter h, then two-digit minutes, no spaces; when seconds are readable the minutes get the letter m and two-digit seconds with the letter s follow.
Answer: 7h08m50s
